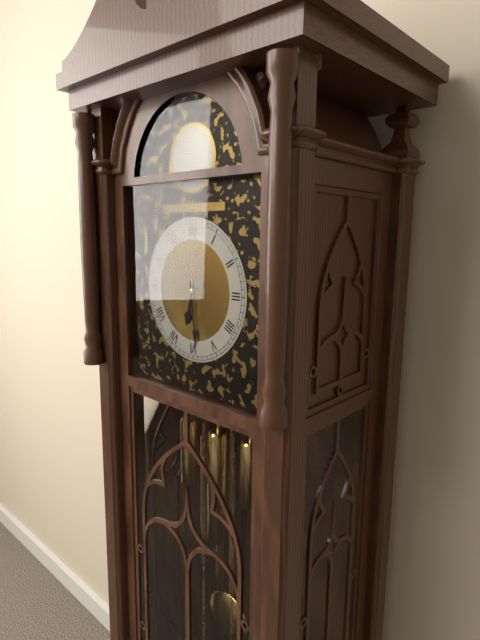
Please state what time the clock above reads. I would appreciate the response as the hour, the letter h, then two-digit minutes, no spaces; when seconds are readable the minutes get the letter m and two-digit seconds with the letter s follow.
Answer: 6h29
